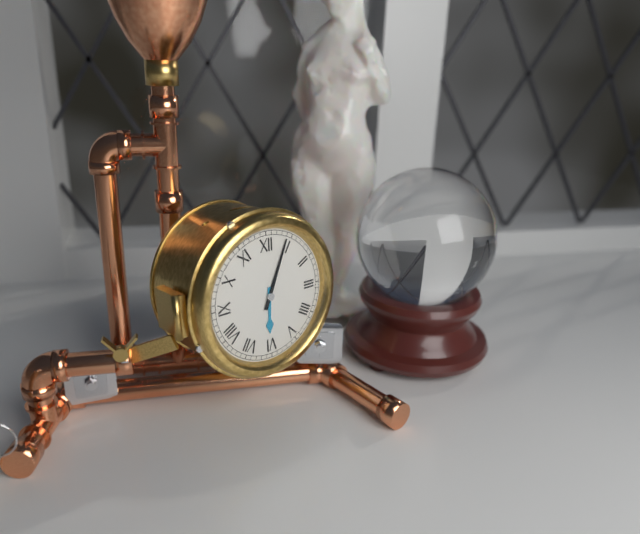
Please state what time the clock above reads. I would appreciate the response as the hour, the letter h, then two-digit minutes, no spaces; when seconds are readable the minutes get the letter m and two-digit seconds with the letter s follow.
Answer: 6h04
